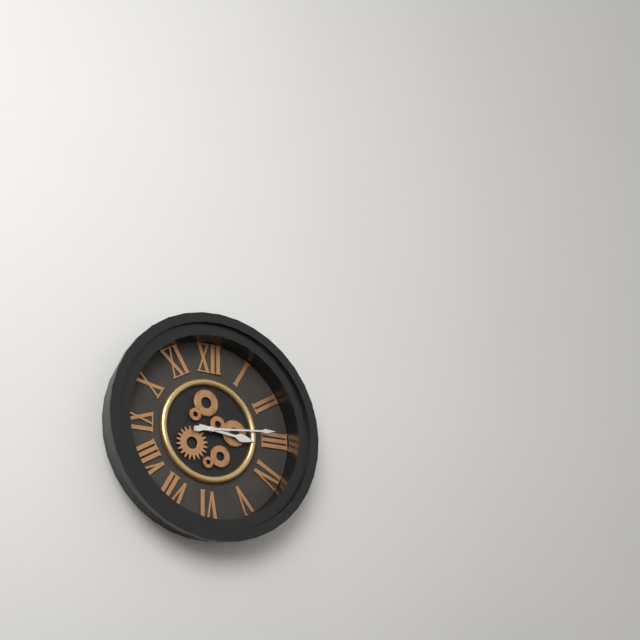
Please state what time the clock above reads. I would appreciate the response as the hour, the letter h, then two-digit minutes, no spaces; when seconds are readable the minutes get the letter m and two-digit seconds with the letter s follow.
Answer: 3h14
